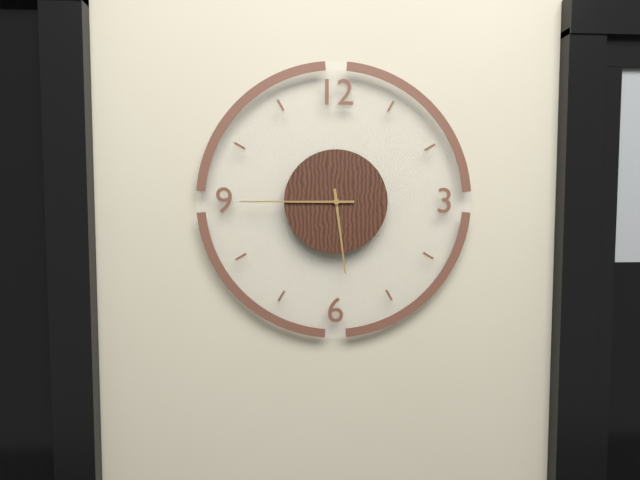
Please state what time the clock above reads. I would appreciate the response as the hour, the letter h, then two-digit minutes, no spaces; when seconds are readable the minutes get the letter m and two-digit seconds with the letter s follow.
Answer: 5h45
